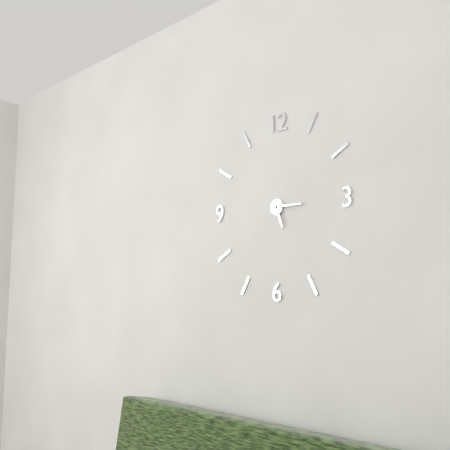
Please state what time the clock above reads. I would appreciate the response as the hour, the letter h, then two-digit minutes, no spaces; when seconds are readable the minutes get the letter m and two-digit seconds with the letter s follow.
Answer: 5h15
